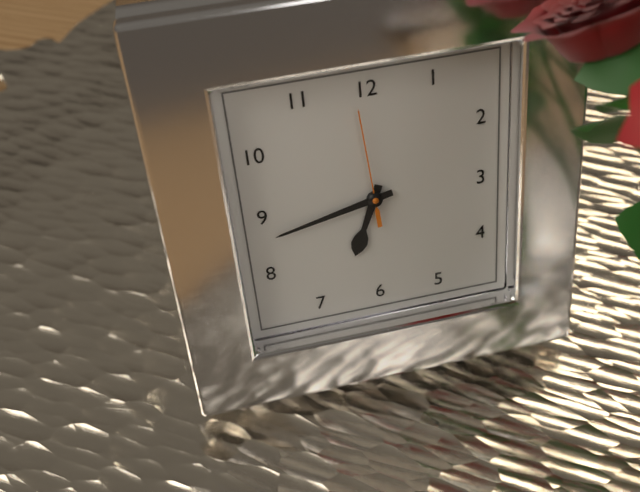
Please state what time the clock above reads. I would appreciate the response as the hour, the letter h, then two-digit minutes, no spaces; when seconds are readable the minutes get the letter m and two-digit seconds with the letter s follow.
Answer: 6h43m59s
